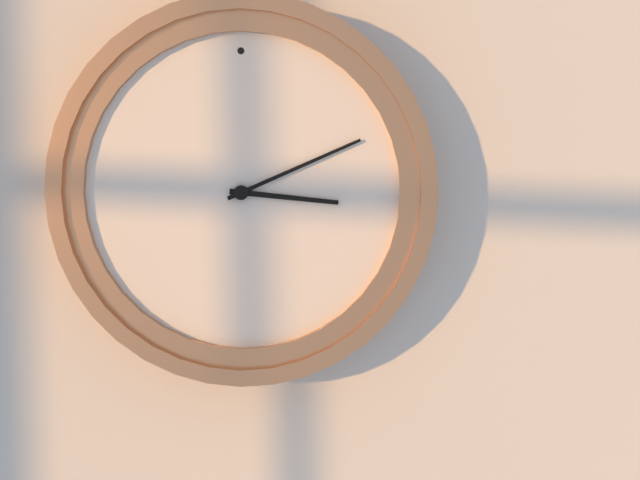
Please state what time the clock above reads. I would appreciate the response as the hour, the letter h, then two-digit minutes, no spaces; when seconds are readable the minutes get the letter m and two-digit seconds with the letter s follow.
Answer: 3h11
